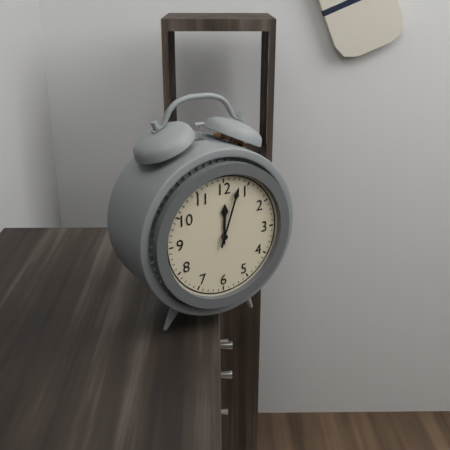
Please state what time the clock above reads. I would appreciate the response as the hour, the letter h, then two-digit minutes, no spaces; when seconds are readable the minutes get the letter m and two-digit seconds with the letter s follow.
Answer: 12h03
